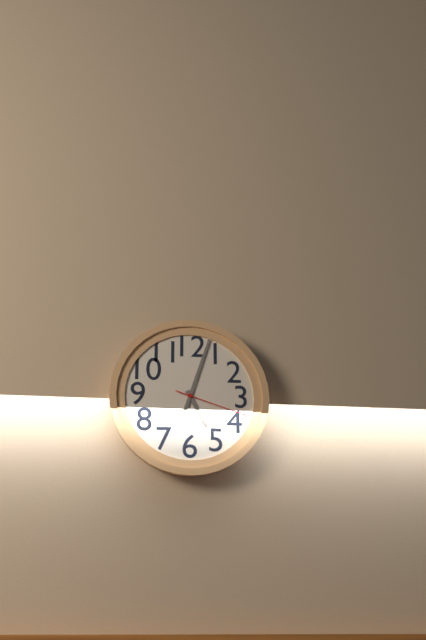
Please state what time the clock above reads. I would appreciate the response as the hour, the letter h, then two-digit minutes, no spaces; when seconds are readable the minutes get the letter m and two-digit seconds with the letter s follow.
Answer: 5h03m18s
